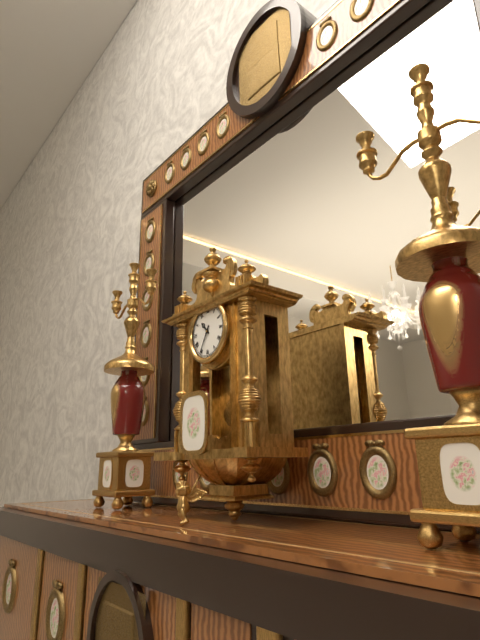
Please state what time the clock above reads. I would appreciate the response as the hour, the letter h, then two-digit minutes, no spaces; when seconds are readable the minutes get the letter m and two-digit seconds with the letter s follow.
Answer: 10h35
